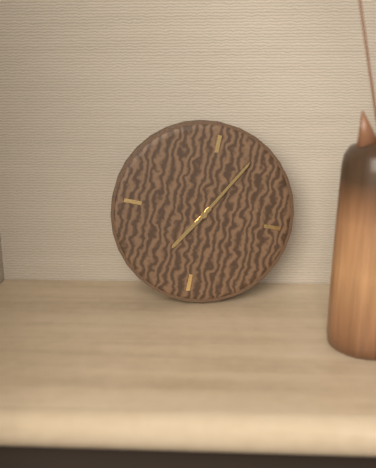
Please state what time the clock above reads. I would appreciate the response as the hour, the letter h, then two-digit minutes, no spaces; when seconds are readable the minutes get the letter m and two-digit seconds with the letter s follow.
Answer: 7h05
